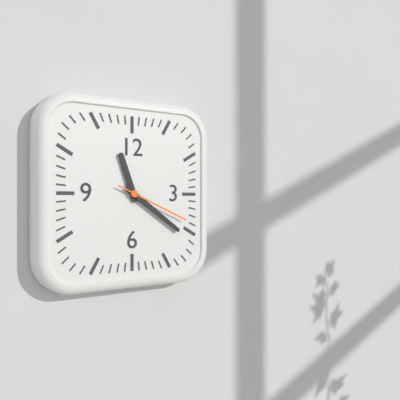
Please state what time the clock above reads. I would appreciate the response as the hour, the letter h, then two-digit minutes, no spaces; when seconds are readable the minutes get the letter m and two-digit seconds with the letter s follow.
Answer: 11h21m19s
